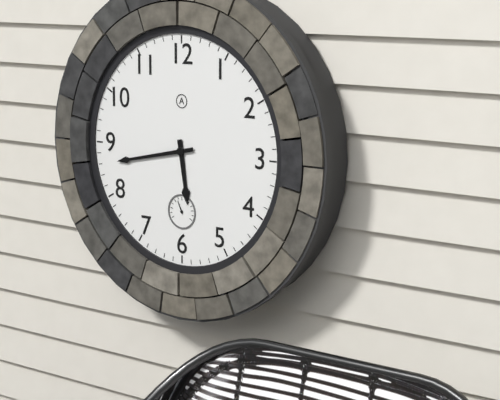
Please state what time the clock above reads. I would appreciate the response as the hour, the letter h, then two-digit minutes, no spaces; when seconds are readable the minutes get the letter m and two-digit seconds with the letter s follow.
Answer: 5h43
